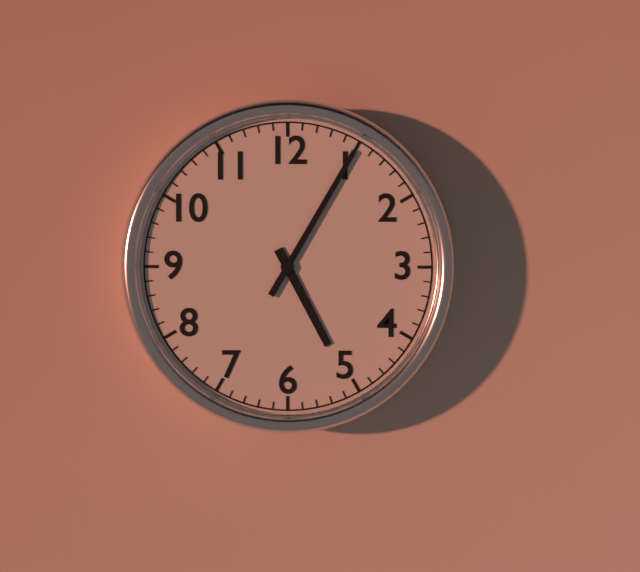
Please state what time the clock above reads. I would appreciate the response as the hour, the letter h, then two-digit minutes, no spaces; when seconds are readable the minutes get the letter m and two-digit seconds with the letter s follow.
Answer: 5h05
